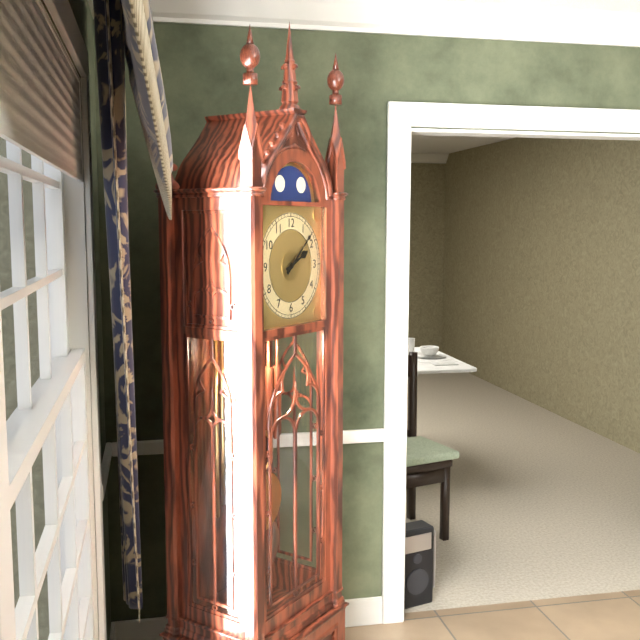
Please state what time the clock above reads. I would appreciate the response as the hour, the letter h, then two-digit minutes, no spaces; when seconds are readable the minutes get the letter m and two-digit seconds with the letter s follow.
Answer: 2h08
